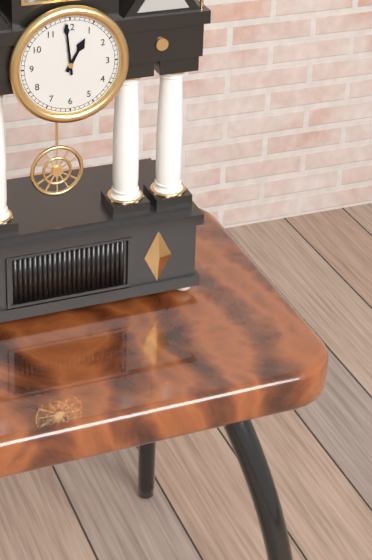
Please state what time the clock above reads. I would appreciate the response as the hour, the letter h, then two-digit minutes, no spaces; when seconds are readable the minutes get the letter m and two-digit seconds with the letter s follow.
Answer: 12h59
